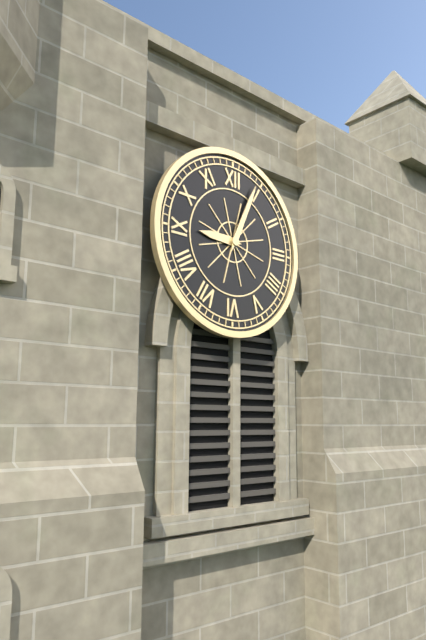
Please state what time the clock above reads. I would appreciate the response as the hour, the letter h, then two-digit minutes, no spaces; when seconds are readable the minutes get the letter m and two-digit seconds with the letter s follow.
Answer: 9h04
